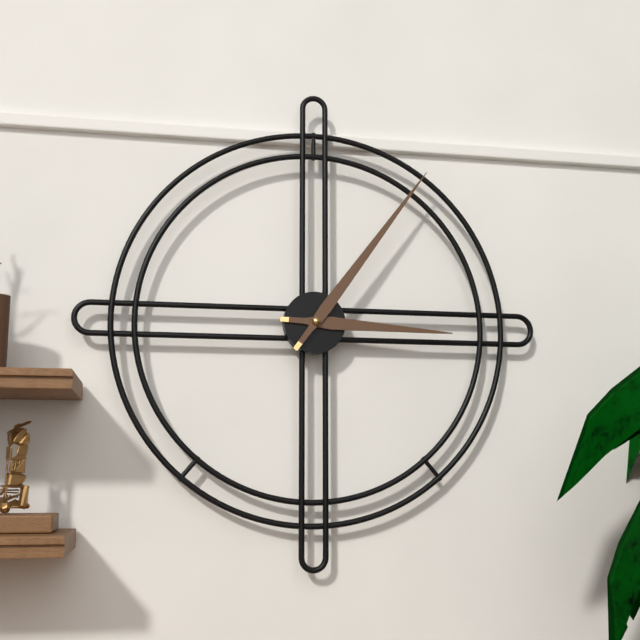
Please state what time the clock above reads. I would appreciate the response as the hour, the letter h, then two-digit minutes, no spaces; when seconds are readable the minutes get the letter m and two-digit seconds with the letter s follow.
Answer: 3h06
